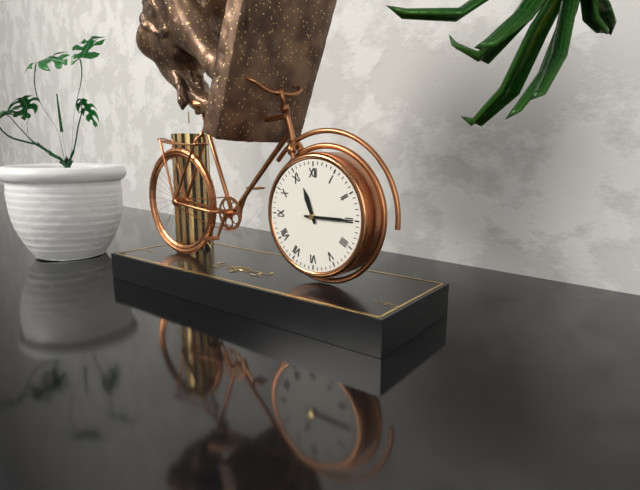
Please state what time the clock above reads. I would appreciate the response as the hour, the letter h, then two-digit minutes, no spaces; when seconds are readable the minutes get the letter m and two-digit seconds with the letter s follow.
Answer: 11h15
